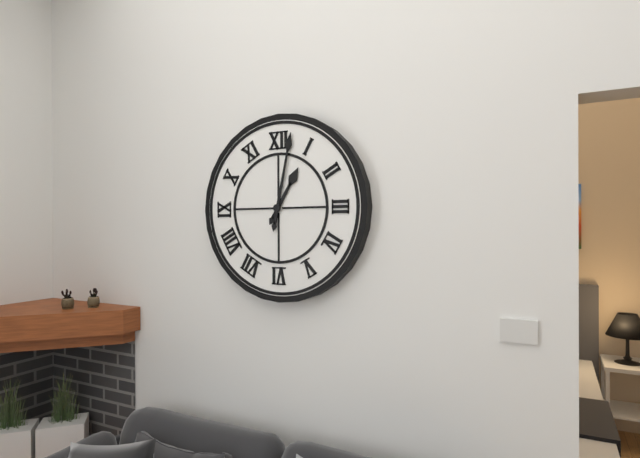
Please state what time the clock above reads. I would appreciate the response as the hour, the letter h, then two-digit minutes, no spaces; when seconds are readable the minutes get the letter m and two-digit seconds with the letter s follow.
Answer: 1h02
